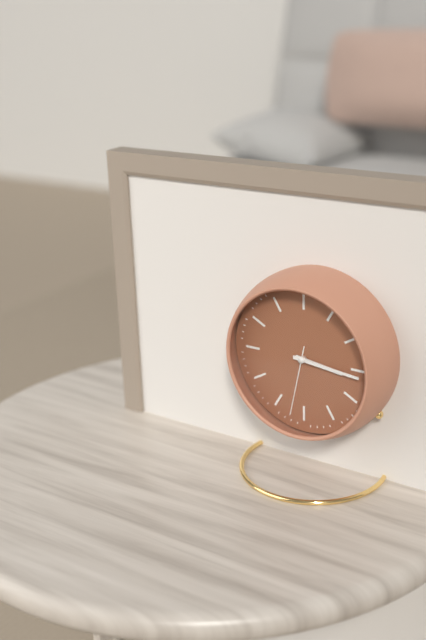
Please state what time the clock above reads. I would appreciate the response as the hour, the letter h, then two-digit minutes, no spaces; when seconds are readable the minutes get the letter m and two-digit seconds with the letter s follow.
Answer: 3h16m32s
